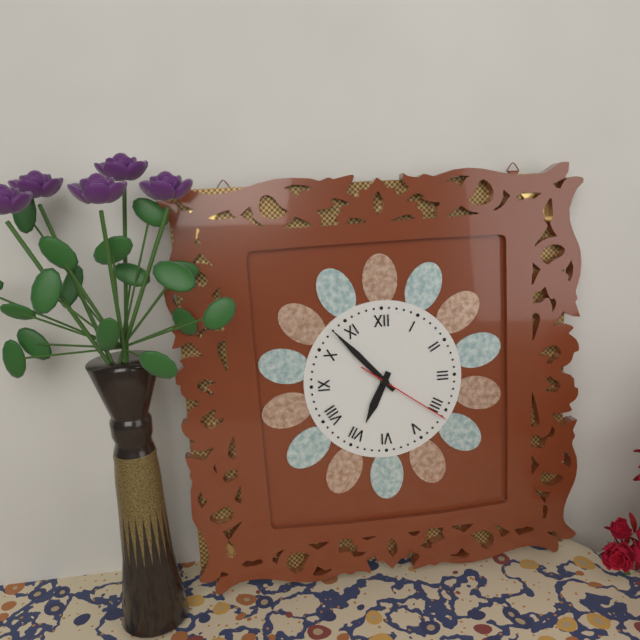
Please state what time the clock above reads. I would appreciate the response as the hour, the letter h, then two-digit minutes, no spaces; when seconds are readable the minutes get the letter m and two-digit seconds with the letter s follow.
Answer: 6h53m21s
